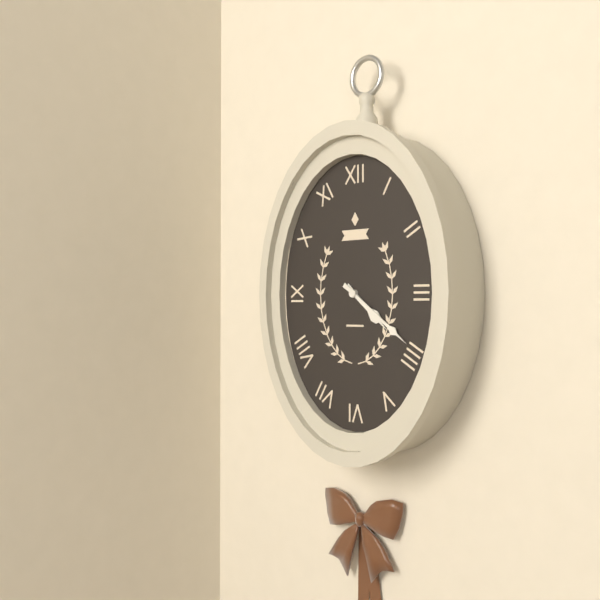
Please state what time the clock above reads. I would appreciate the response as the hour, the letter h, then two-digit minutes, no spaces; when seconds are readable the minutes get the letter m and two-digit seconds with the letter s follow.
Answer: 4h21
